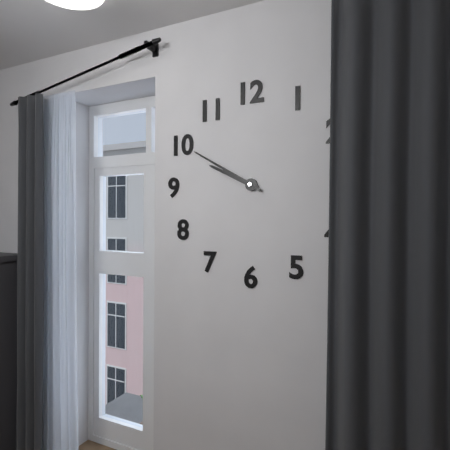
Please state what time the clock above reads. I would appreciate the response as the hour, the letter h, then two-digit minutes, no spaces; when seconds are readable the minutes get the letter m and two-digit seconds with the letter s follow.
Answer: 9h50
